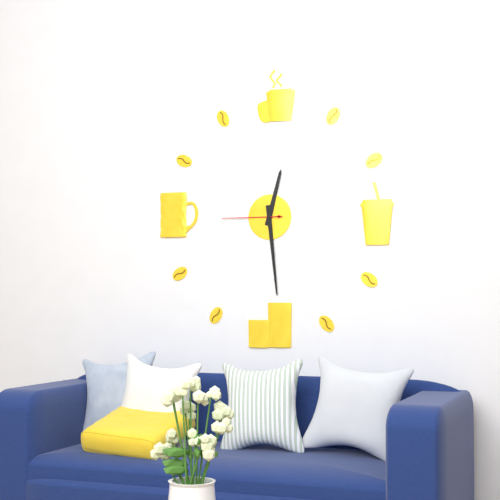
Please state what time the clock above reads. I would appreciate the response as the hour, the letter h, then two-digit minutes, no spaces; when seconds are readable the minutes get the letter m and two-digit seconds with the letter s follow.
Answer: 12h29m45s
